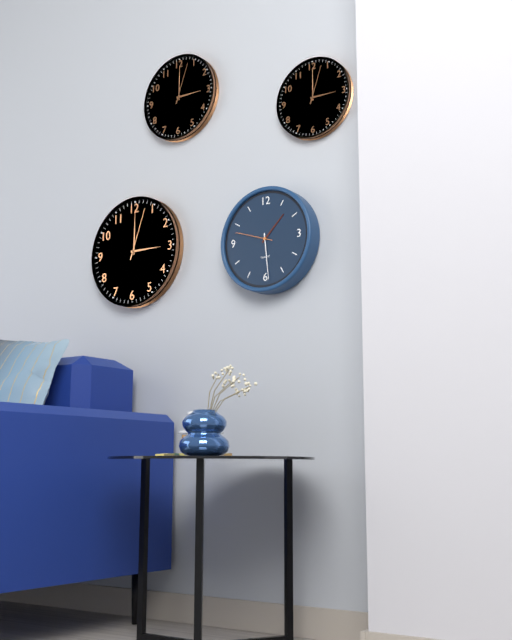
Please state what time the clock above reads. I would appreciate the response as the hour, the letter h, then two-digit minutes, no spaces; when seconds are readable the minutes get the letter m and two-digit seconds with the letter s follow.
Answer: 1h29
